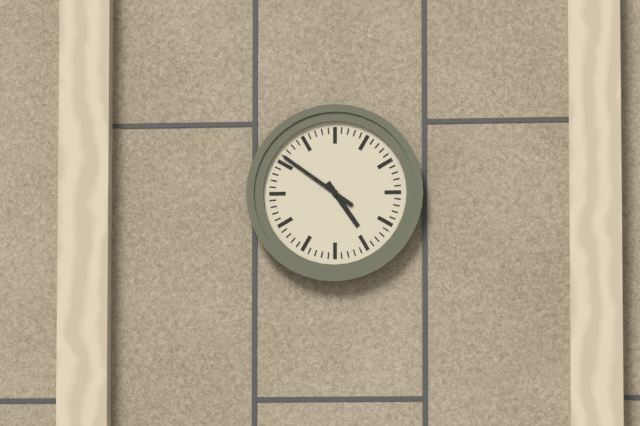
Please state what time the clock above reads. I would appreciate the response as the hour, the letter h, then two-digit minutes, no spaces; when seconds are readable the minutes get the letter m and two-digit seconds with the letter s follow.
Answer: 4h51
